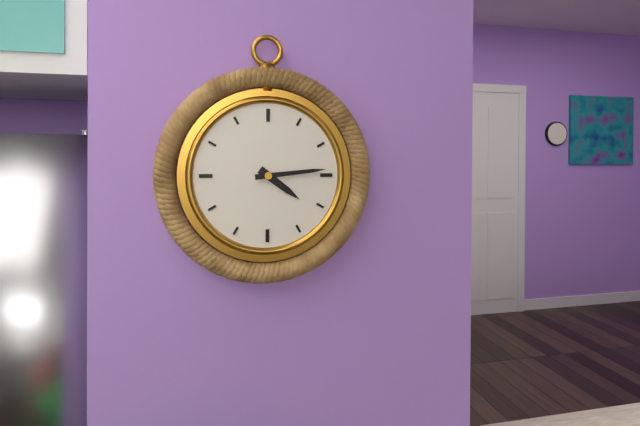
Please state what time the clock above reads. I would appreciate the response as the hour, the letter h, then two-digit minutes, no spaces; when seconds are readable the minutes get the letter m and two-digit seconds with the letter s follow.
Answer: 4h14
